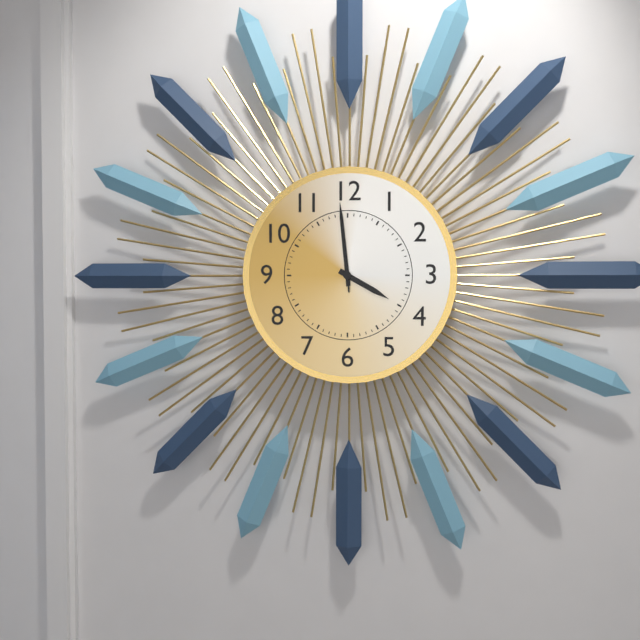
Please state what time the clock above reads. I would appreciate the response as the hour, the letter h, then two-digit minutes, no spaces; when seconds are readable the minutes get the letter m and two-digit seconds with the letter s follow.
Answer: 3h59m59s
